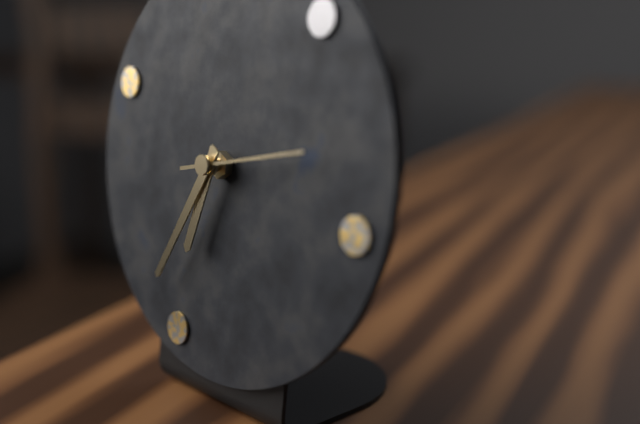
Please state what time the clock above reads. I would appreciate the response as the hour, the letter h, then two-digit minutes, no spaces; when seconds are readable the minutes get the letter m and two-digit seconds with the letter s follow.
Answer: 6h35m13s
